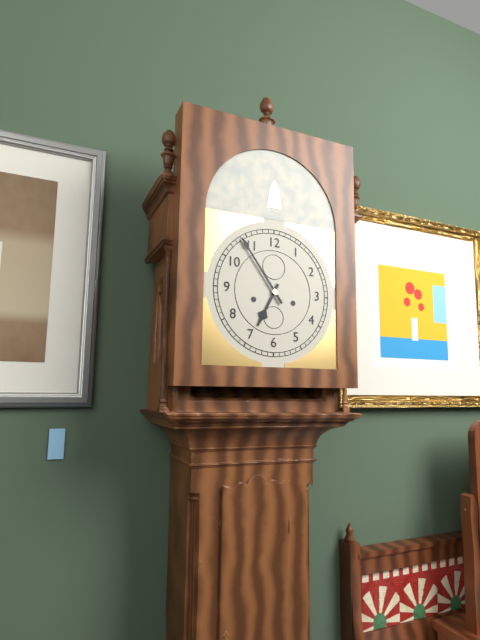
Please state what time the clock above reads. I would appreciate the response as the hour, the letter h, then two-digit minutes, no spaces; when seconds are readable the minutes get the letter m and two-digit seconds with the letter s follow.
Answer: 6h54
